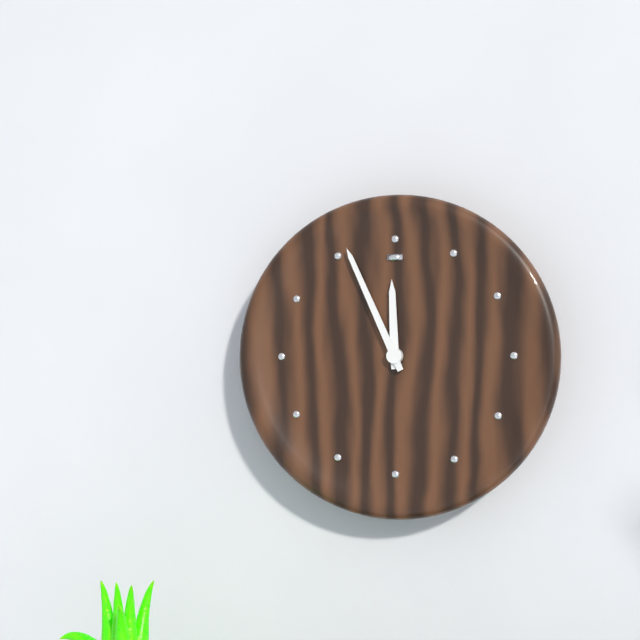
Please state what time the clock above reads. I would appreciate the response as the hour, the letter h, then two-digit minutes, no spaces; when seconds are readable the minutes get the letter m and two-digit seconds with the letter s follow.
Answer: 11h56
